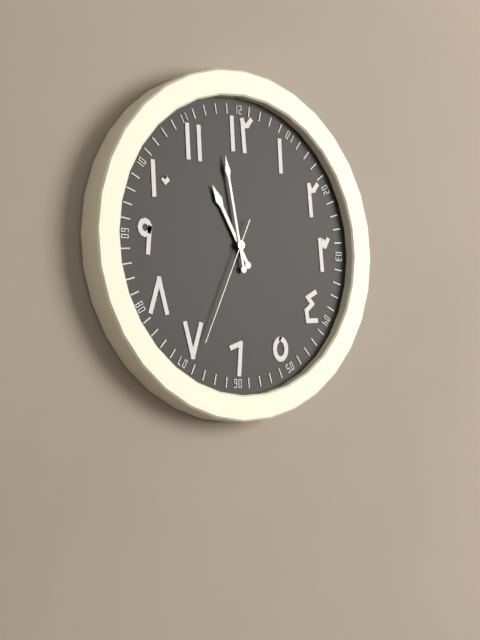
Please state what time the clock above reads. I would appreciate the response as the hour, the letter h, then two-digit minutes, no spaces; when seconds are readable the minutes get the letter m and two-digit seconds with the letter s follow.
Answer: 10h58m34s
